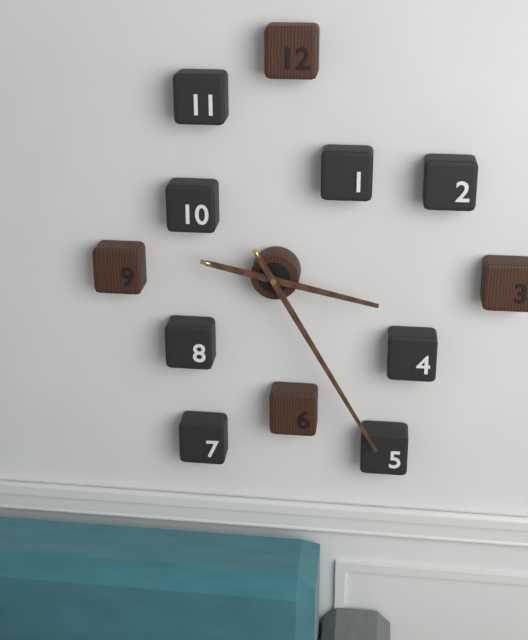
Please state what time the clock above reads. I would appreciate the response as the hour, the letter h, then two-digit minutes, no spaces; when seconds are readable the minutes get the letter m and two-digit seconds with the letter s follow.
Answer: 3h25
